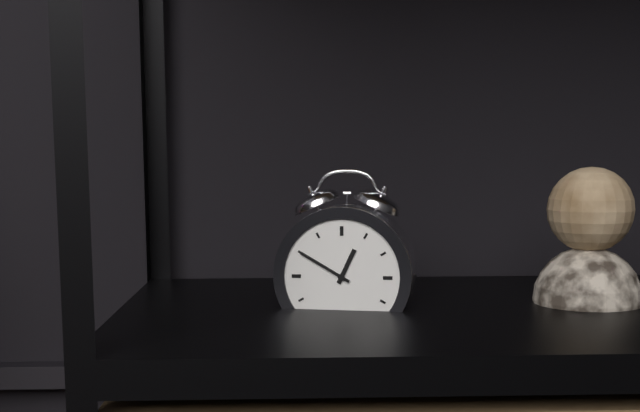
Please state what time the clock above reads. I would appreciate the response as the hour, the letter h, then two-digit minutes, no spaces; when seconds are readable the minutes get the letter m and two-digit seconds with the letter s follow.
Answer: 12h50
